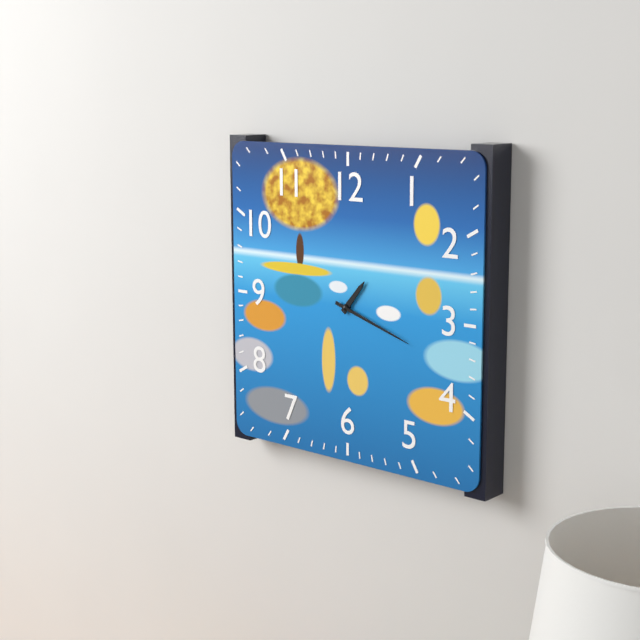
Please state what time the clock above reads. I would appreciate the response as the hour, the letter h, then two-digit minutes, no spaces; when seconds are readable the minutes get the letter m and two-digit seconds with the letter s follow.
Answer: 1h18
